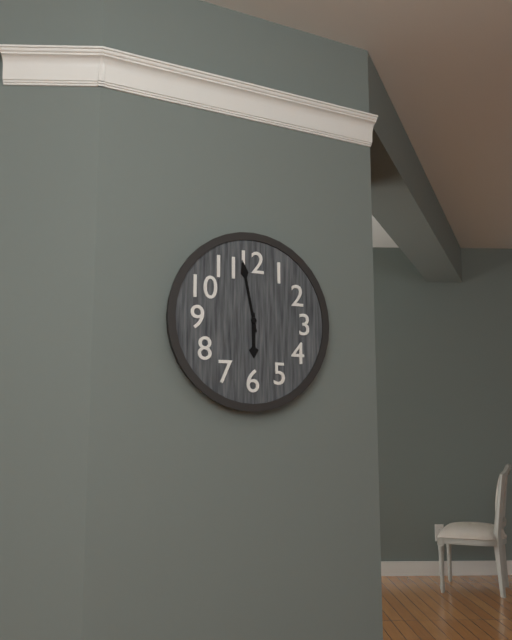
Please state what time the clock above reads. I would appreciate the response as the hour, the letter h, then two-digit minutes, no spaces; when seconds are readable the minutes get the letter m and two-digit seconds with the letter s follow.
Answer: 5h58
